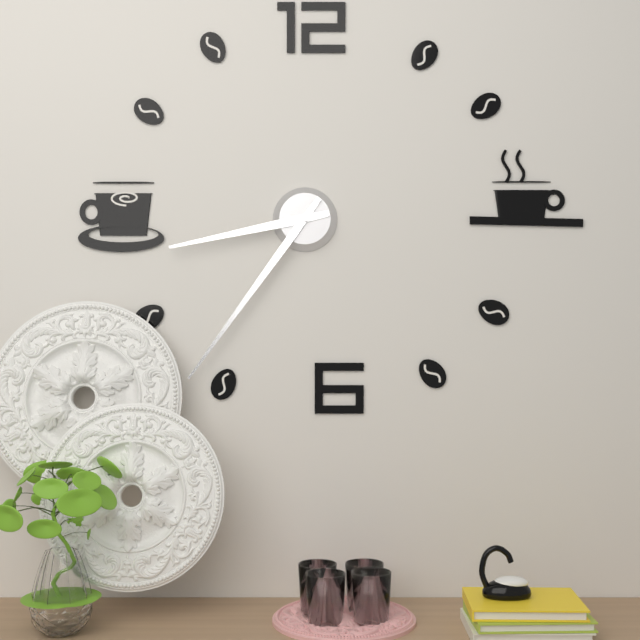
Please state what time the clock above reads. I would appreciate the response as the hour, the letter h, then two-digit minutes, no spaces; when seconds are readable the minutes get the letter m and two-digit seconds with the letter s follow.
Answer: 8h36
